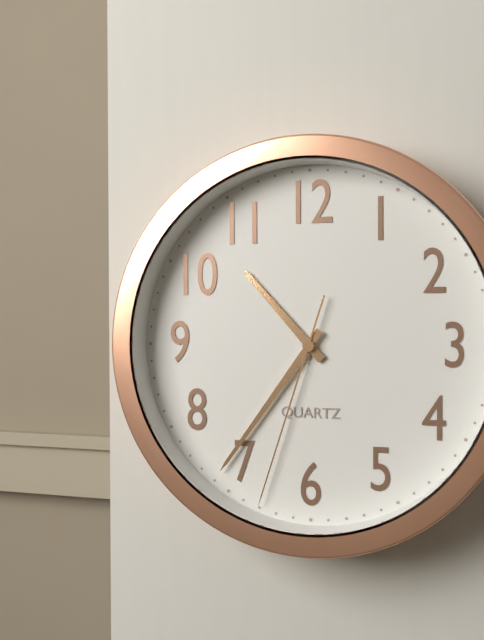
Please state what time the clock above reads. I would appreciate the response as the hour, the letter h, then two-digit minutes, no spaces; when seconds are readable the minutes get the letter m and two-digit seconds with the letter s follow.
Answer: 10h36m33s
